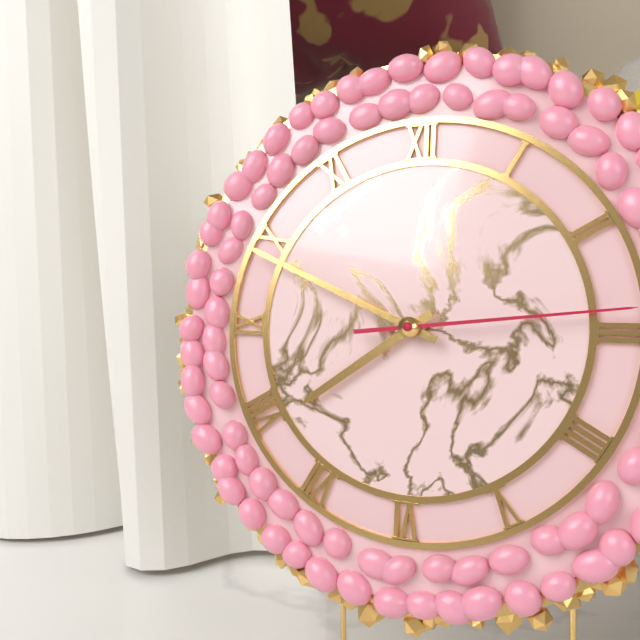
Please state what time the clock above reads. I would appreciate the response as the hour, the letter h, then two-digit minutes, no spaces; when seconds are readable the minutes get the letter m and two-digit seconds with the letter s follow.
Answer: 7h49m14s
